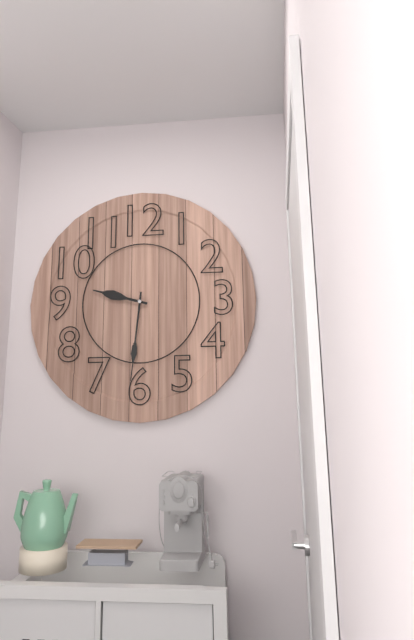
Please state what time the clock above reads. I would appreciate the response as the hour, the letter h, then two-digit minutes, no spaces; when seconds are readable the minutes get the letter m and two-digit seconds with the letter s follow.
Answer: 9h31
